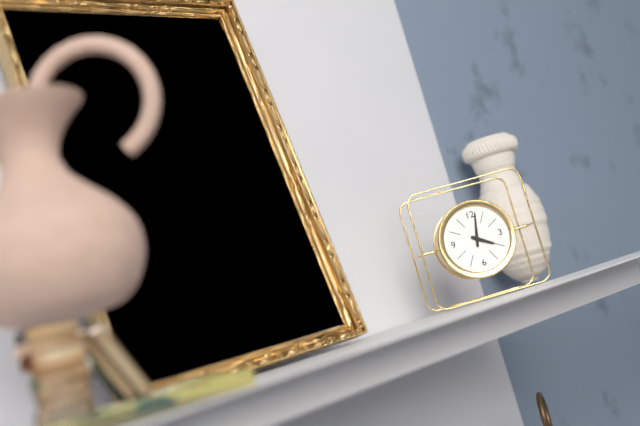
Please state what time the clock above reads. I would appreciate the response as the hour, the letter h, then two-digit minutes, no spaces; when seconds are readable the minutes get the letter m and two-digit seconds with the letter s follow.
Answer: 4h02
